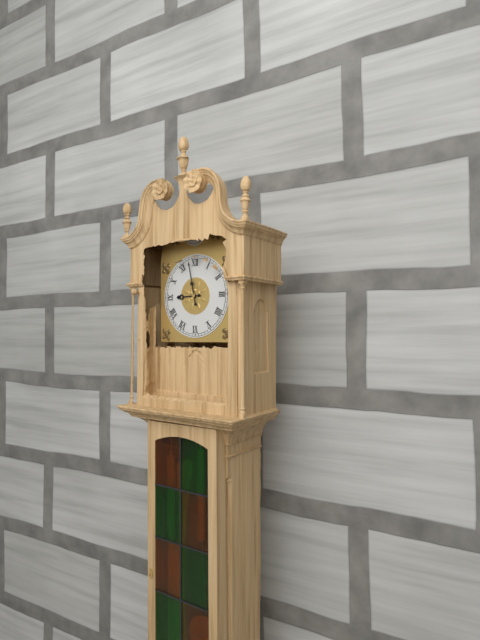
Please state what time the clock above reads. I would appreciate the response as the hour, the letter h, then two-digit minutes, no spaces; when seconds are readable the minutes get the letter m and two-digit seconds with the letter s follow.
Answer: 8h58
